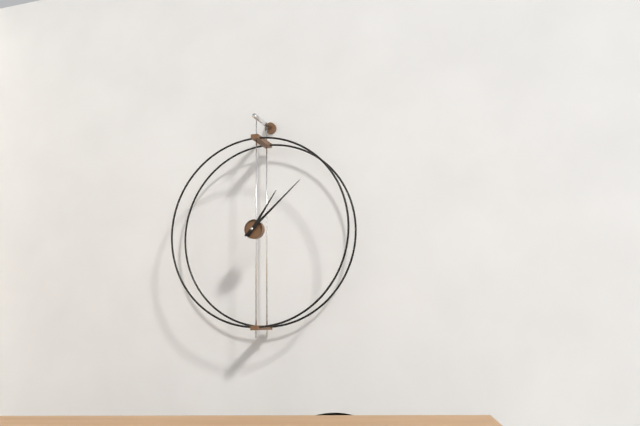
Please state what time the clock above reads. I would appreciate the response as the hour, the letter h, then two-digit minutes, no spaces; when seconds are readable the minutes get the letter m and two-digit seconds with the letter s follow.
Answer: 1h08
